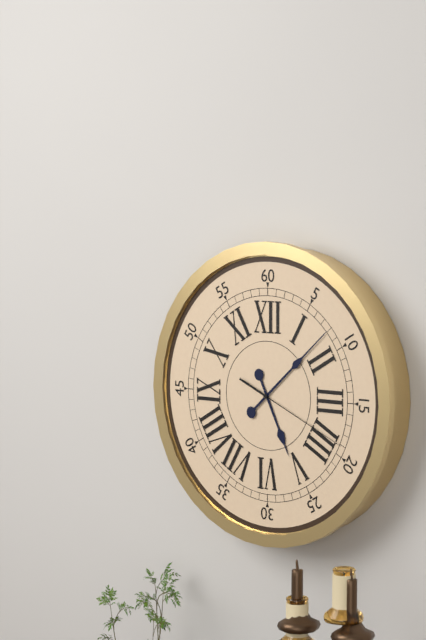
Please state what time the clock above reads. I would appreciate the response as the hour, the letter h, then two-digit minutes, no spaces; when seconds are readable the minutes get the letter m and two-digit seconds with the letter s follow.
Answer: 5h08m19s
